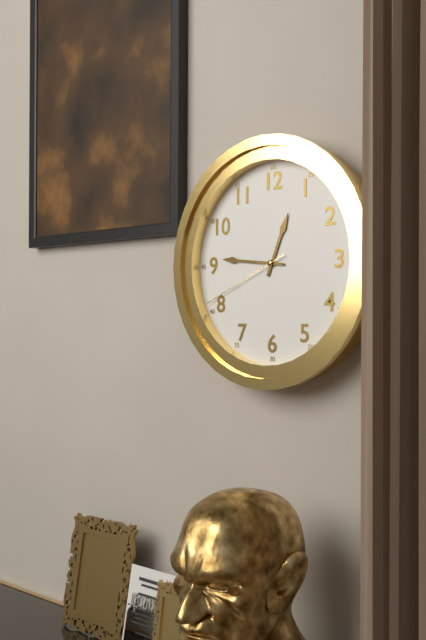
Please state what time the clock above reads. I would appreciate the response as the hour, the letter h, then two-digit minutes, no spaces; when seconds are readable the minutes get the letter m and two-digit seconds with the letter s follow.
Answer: 12h46m41s
